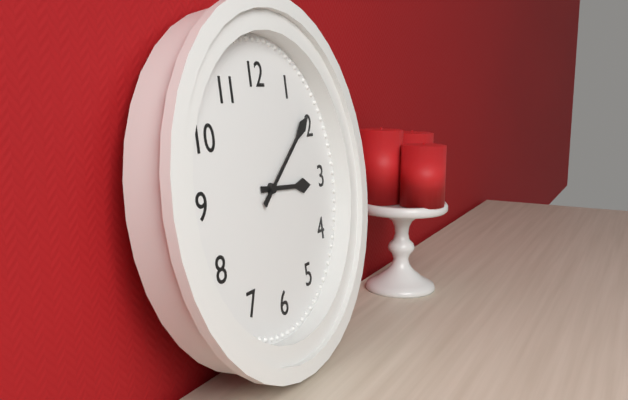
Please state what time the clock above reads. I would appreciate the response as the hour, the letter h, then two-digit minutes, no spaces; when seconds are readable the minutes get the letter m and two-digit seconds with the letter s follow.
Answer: 3h09
